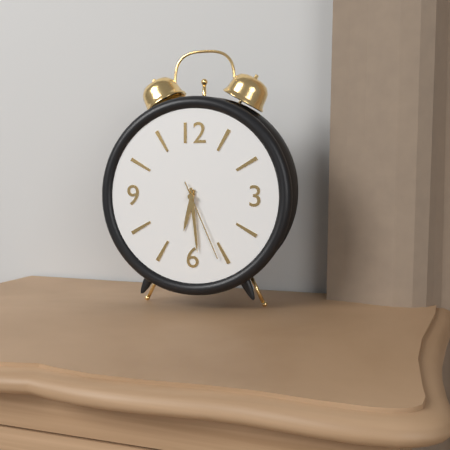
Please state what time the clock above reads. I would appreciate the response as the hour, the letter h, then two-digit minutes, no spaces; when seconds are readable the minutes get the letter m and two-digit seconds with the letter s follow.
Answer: 6h29m26s
